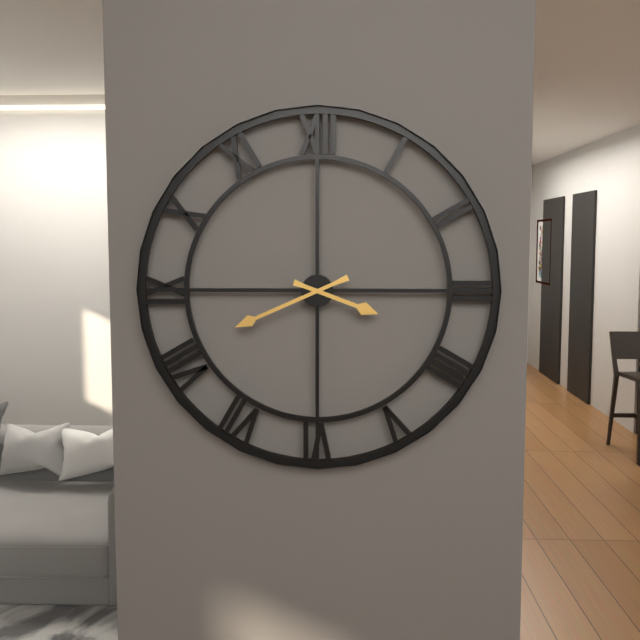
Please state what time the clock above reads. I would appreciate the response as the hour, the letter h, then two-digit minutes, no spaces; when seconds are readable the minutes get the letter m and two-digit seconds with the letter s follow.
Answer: 3h41
